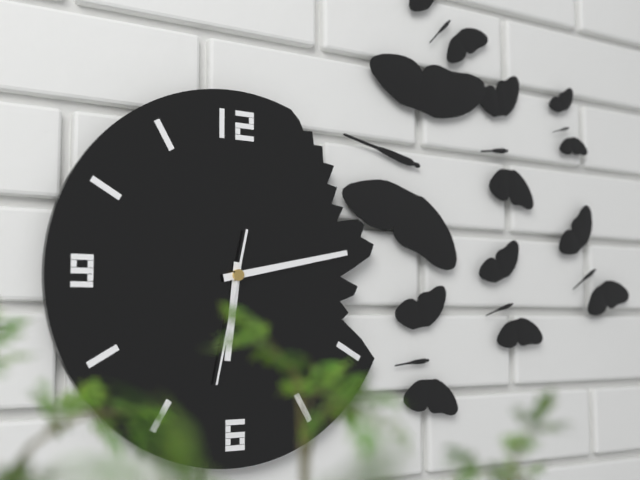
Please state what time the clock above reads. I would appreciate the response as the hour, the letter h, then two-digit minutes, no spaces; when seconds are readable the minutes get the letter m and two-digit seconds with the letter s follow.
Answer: 6h13m32s
